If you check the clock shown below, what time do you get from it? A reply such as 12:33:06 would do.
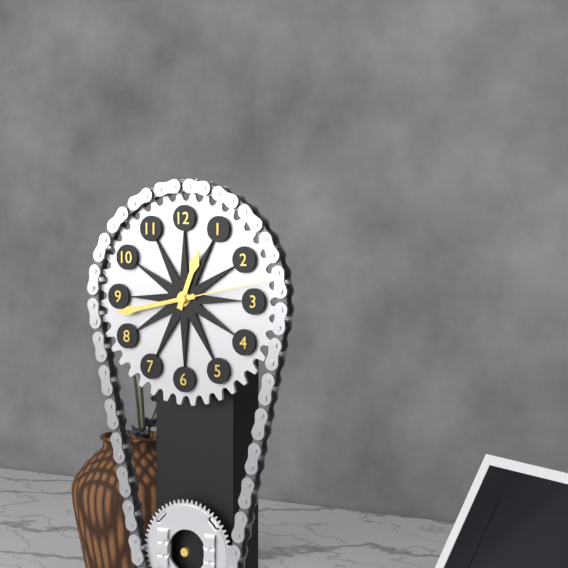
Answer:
12:43:13
